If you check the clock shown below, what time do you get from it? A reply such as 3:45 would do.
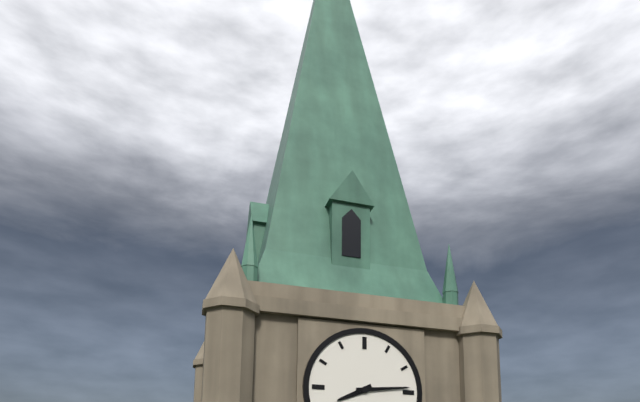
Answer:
8:14
